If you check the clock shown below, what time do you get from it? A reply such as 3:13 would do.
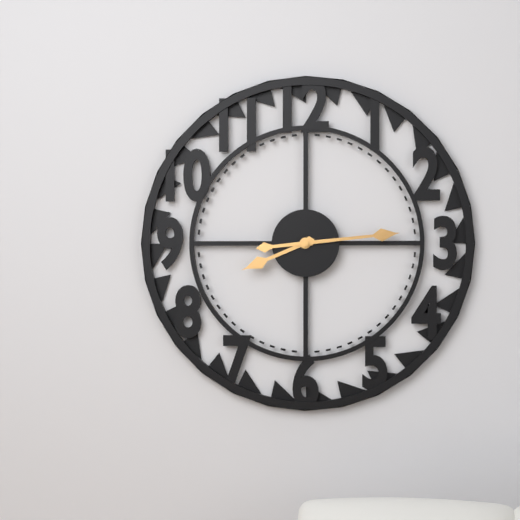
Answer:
8:14
